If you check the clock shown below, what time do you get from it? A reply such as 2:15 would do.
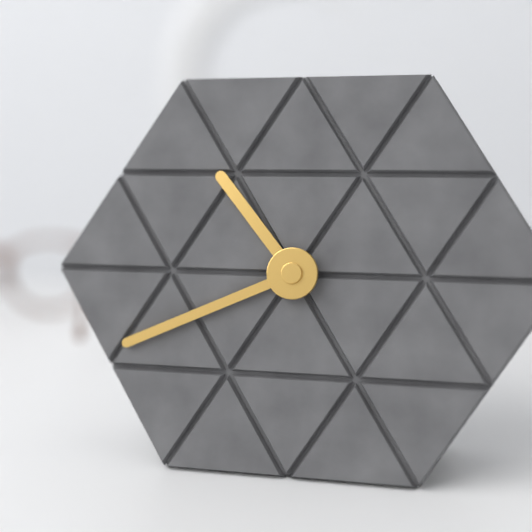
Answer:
10:41
